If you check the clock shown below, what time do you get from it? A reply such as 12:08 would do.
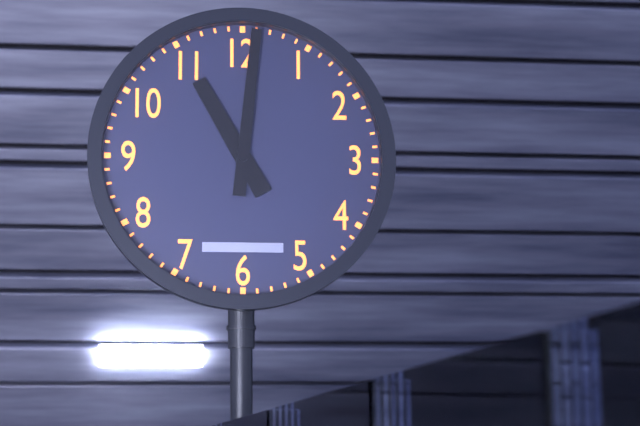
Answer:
11:01
